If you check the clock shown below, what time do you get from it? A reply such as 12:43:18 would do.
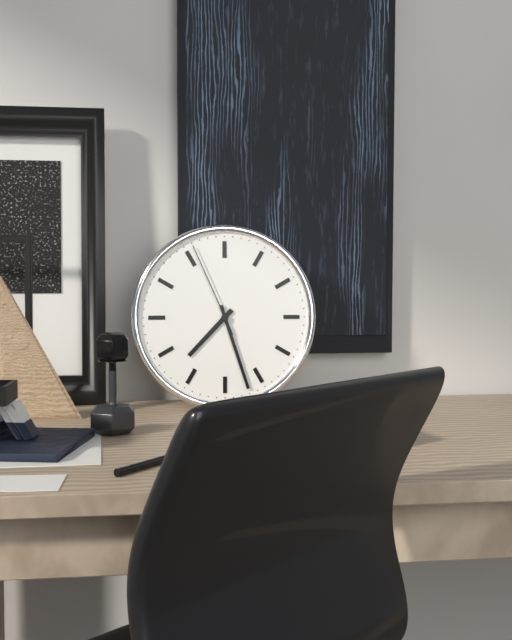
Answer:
7:27:56
